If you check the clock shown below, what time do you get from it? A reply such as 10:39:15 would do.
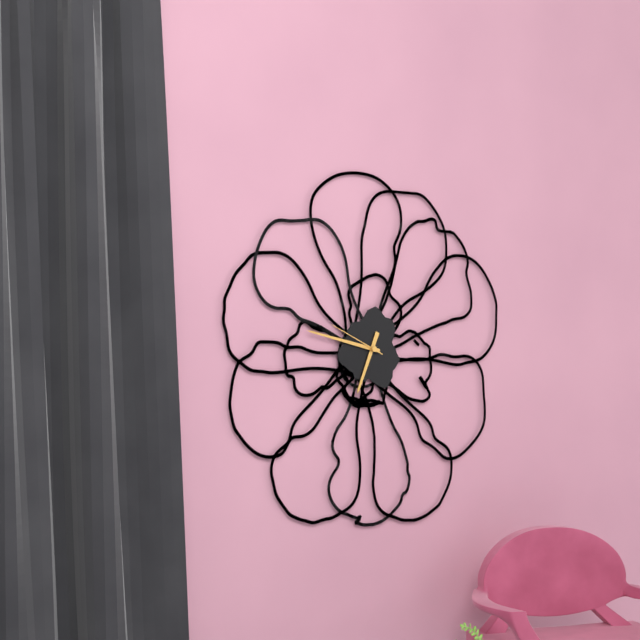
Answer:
6:47:49
